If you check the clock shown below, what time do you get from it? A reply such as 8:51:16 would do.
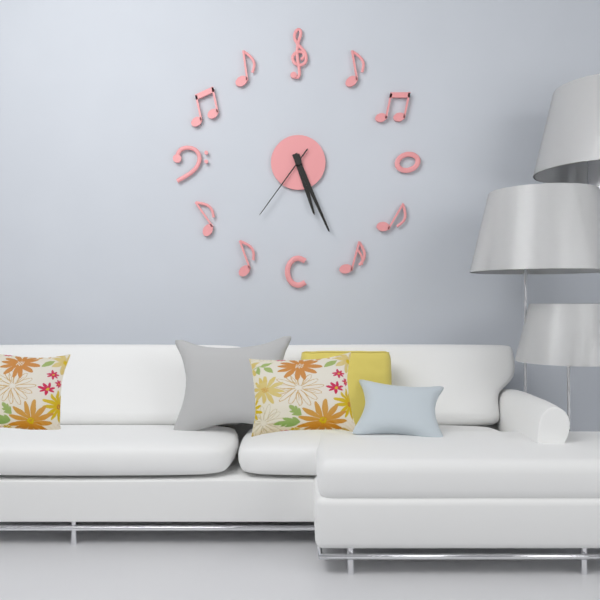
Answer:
5:26:36
